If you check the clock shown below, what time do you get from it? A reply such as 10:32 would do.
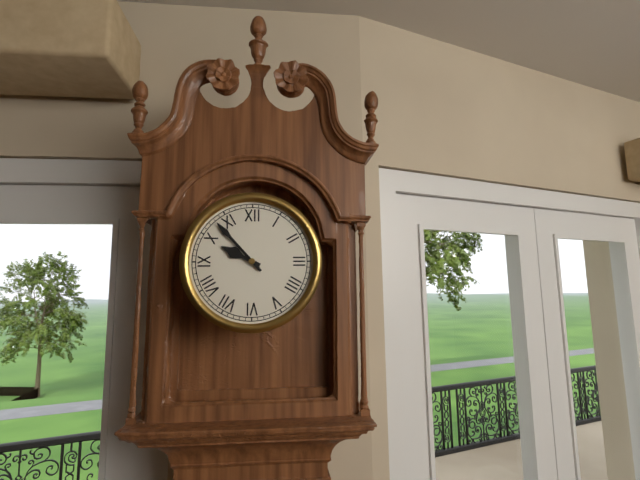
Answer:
9:53
